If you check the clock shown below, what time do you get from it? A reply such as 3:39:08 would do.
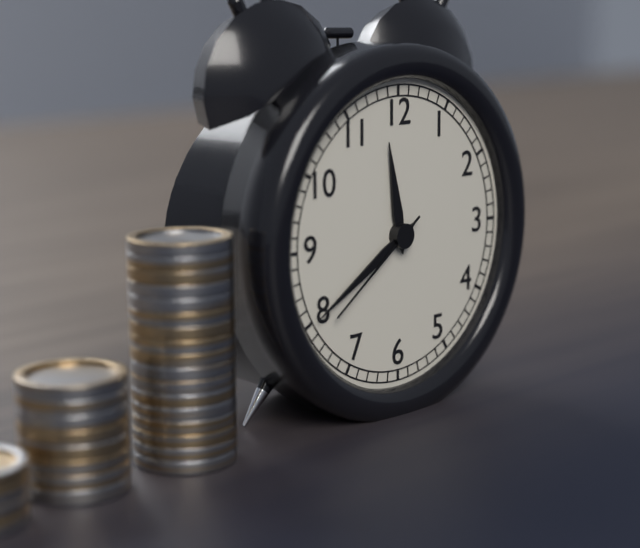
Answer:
11:40:39
